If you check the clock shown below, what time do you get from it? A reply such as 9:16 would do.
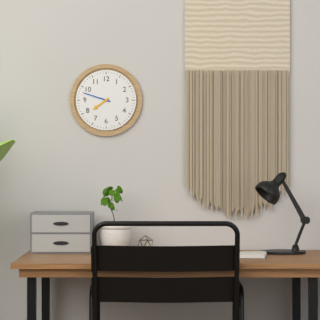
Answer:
7:48
